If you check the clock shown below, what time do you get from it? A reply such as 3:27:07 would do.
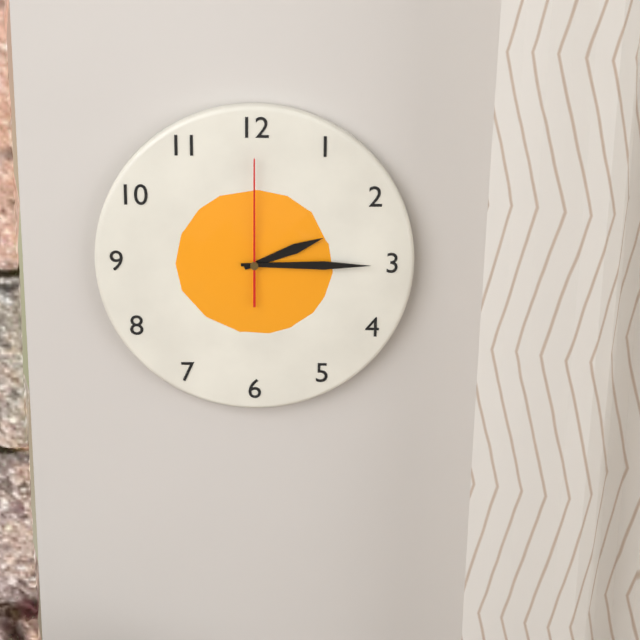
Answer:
2:15:00
